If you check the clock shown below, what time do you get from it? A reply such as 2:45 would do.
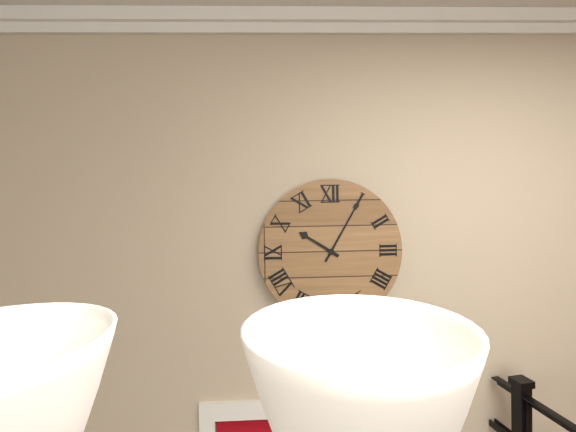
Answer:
10:05
